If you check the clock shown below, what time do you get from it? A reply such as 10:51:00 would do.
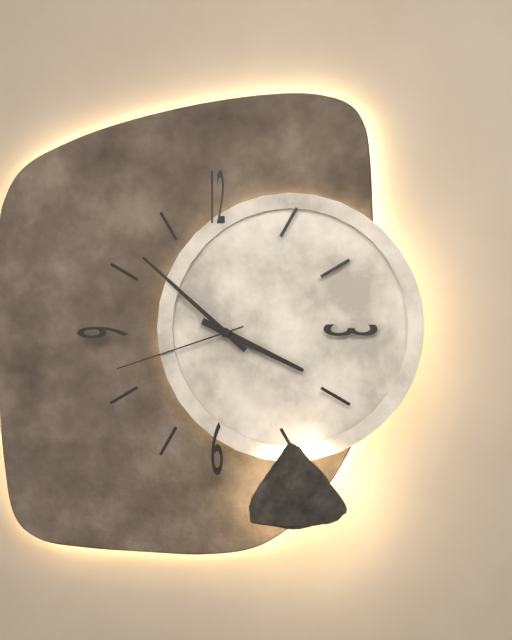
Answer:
3:52:42
